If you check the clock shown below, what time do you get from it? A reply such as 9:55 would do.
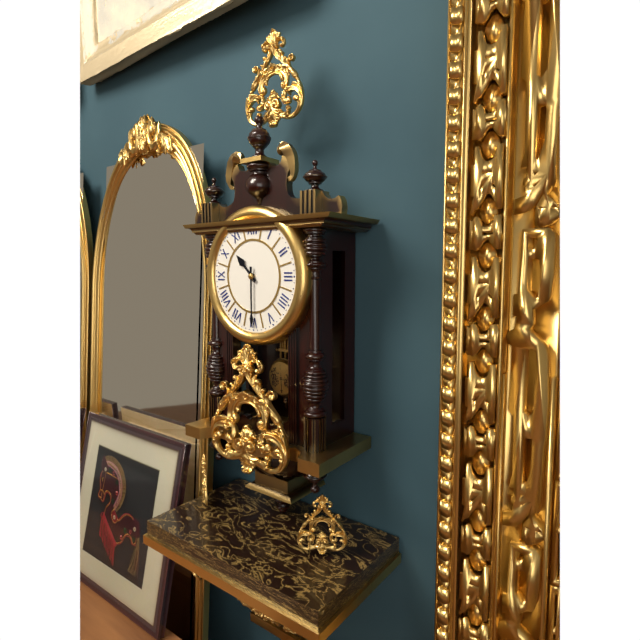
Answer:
10:30
